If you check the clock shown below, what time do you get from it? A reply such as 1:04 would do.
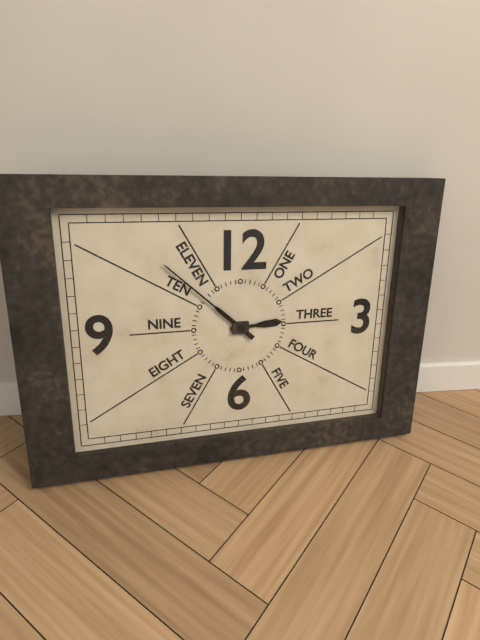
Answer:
2:52
